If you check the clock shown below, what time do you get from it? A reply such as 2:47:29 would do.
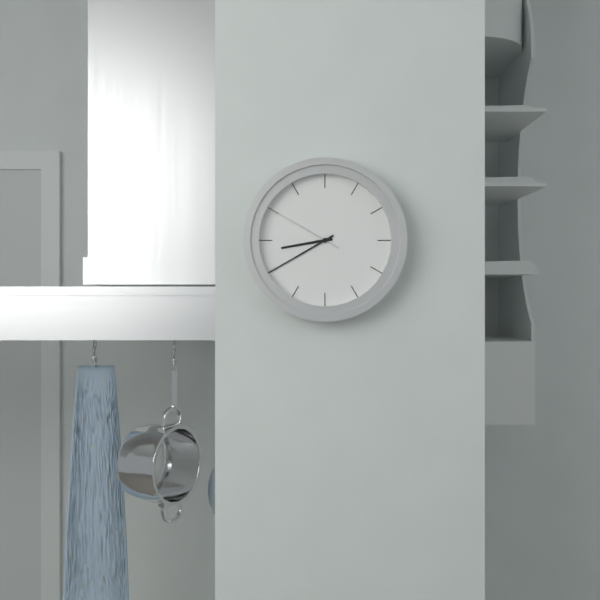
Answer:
8:40:50
